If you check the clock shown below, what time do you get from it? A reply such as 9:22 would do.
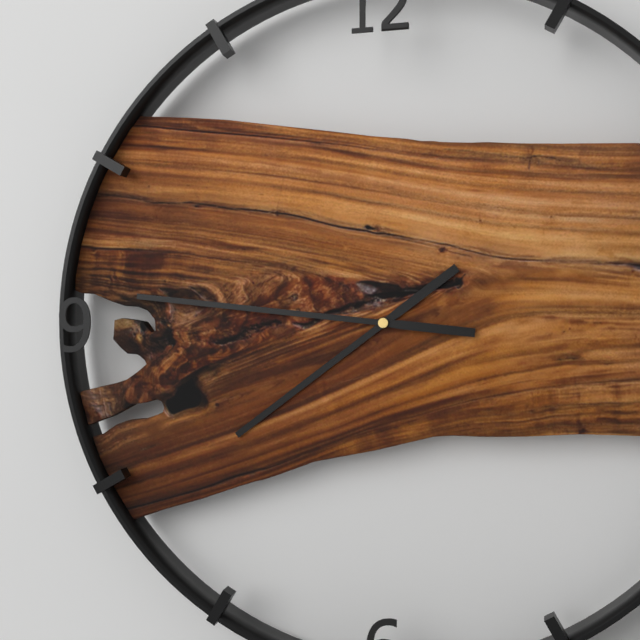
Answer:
7:46
